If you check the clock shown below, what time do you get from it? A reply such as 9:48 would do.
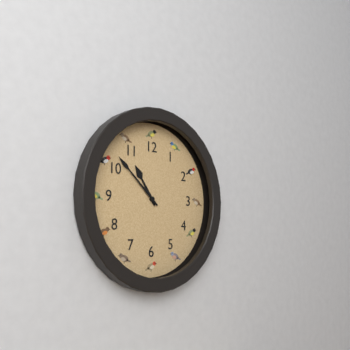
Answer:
10:52
